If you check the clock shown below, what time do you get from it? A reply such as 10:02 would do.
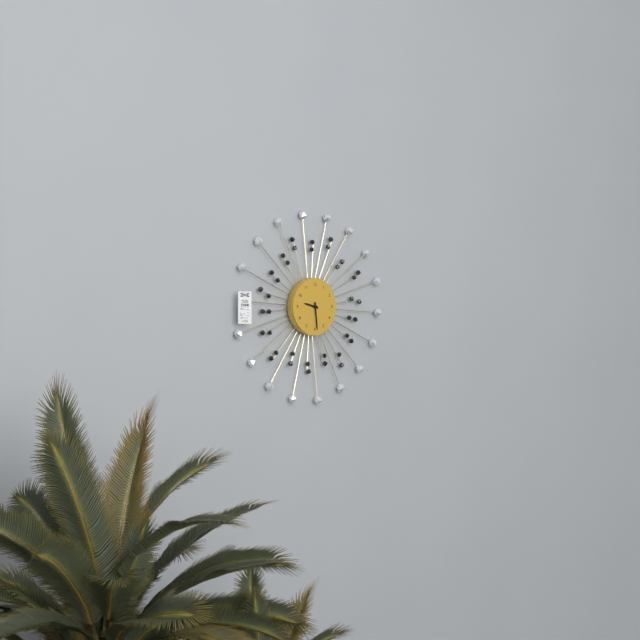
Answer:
9:29
